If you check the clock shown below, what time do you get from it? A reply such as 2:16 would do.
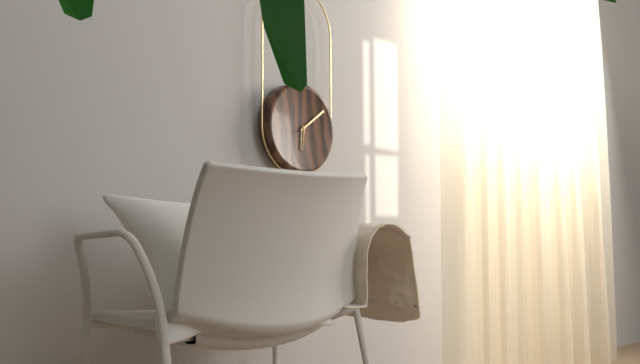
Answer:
6:09
